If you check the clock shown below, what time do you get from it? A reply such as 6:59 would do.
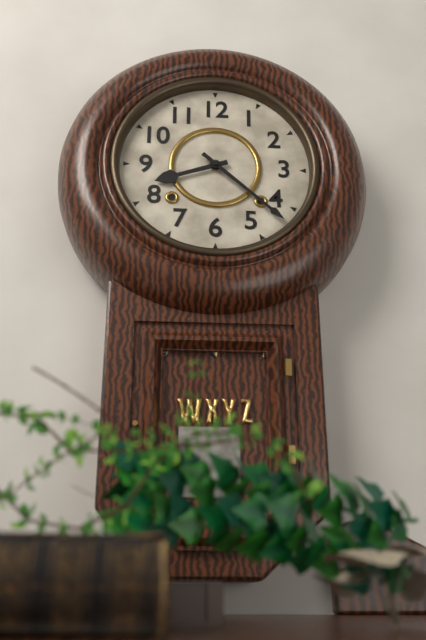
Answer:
8:22
